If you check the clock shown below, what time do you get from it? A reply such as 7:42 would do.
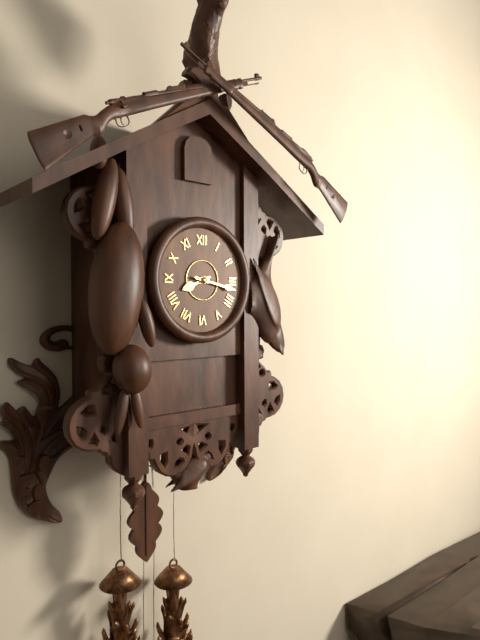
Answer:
8:17
